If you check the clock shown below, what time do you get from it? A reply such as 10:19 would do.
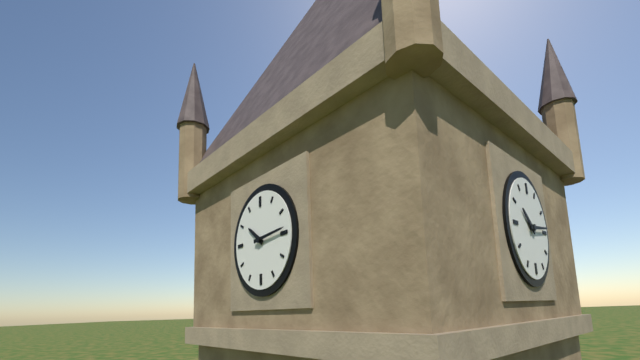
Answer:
10:14
